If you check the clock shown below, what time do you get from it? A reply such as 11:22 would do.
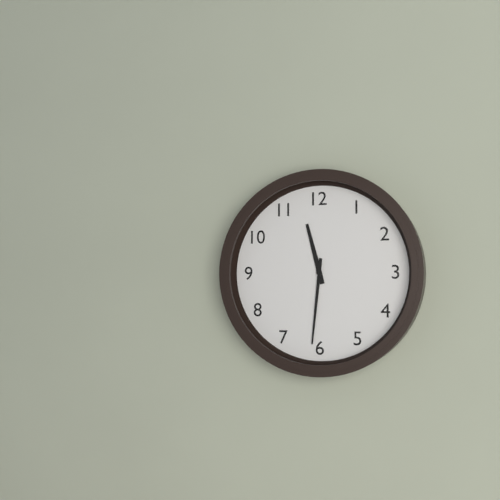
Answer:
11:31
